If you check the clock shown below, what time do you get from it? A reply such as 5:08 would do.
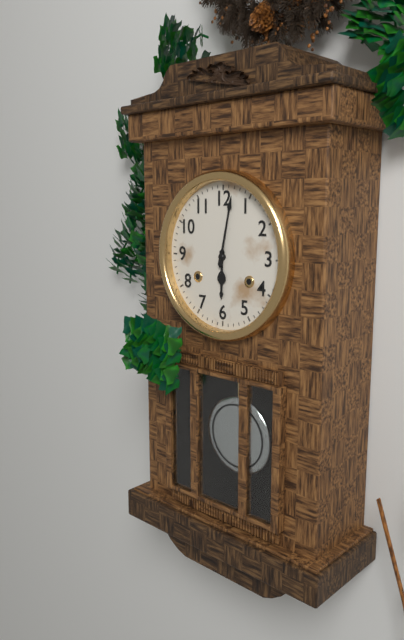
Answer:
6:02
